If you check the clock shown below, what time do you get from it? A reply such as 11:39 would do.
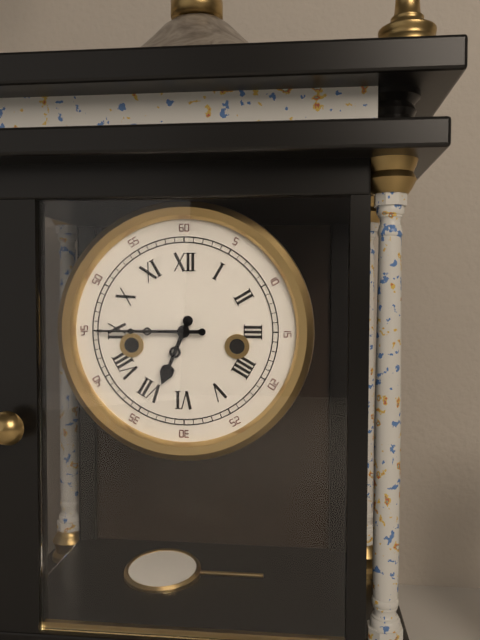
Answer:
6:45
